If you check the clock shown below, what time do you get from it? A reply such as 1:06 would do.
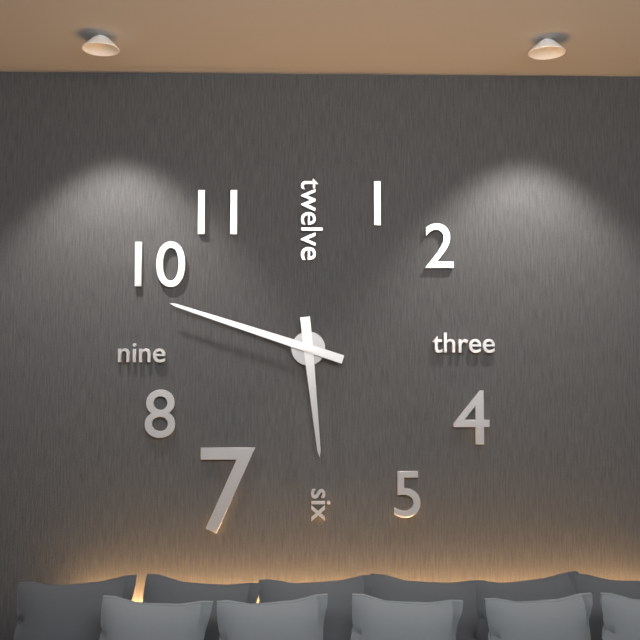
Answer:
5:48
